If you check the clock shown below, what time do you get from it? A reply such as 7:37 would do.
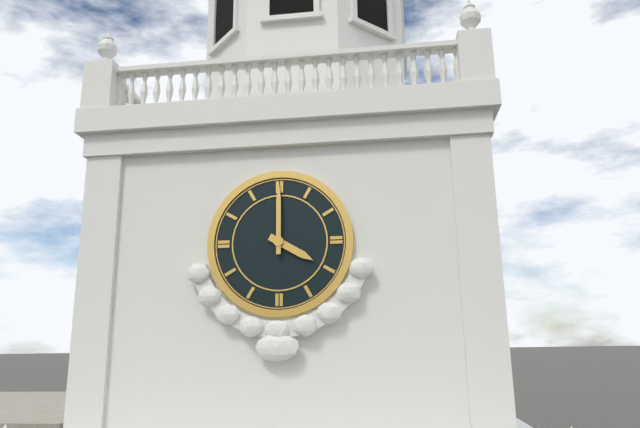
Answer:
4:00
